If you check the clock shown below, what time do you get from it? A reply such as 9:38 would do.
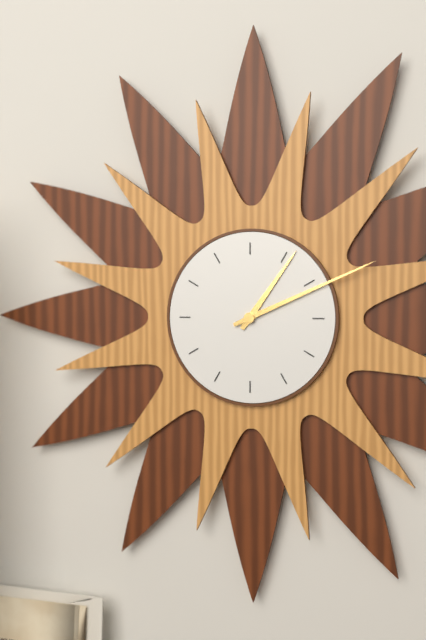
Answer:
1:11
